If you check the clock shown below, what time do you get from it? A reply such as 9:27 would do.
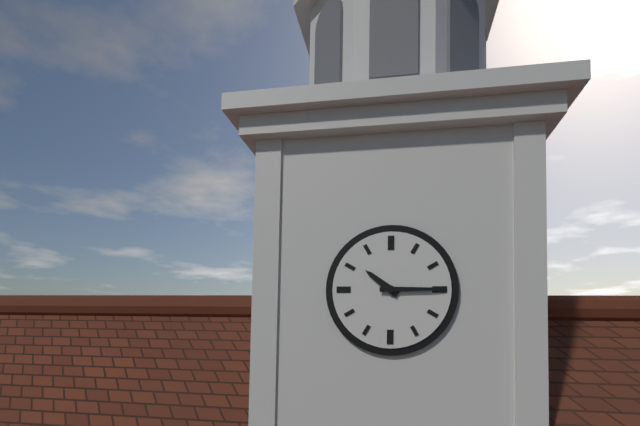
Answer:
10:15
